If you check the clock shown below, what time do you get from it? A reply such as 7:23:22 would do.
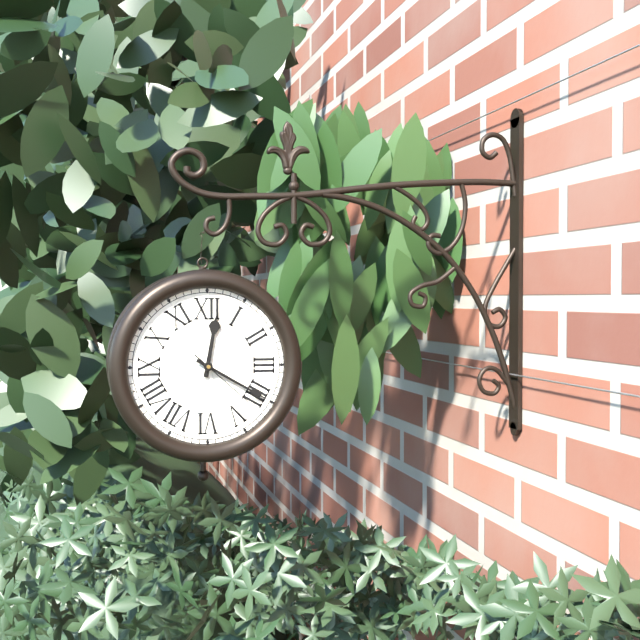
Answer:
12:20:22
